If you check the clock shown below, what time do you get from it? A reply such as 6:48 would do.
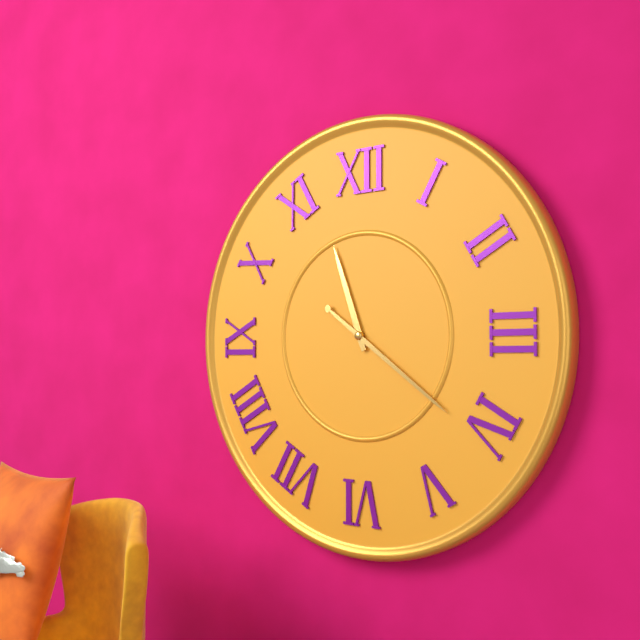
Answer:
11:21
